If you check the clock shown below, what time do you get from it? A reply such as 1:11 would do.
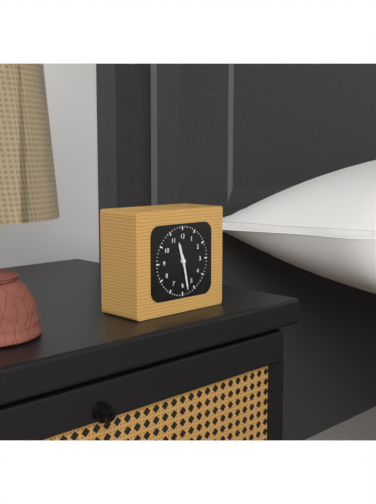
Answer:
11:28
